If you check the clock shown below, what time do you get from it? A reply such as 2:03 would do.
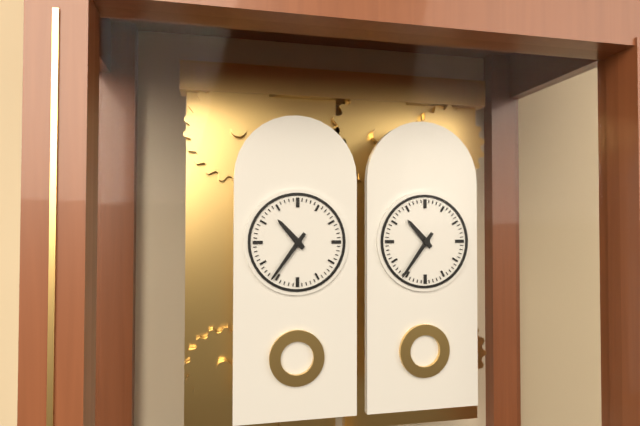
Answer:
10:36
